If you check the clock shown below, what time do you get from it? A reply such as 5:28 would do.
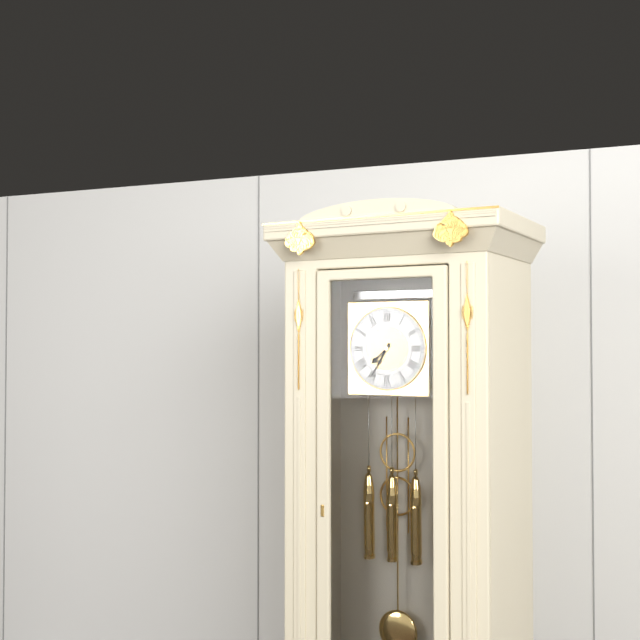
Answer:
7:35
